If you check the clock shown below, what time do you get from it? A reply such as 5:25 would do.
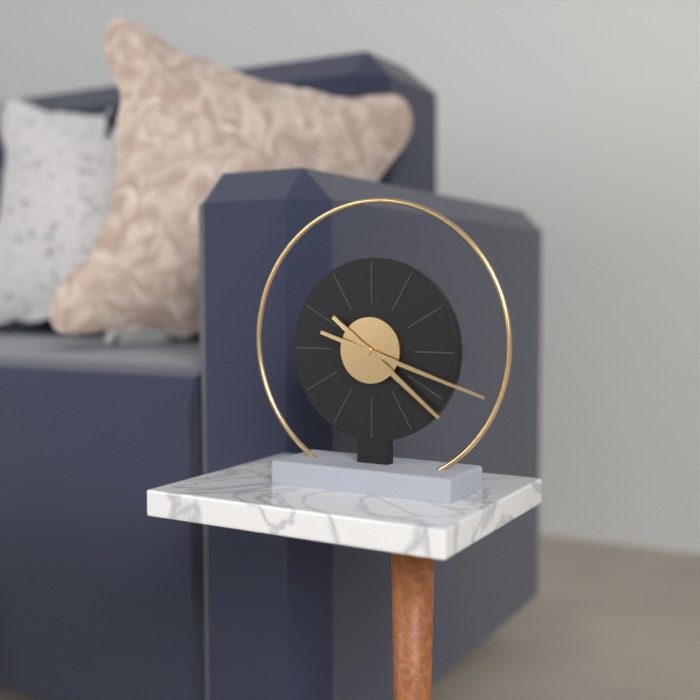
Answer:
4:18
